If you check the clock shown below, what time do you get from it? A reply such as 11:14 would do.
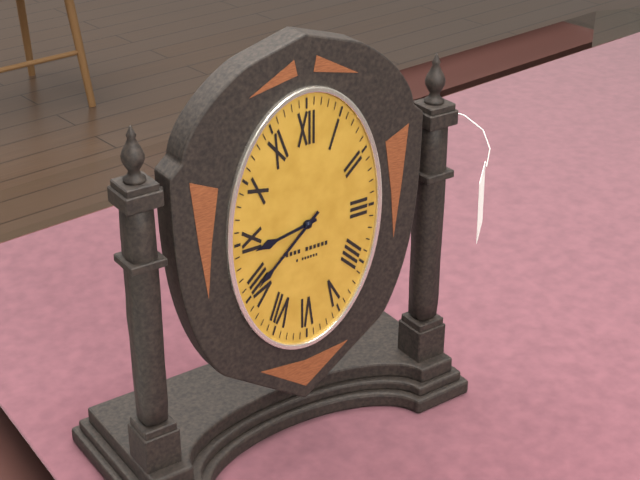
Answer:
8:38
